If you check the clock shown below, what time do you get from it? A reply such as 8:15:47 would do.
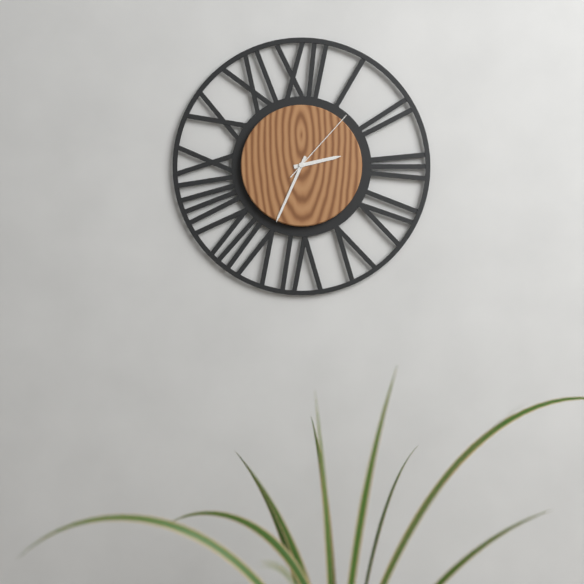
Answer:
2:34:07
